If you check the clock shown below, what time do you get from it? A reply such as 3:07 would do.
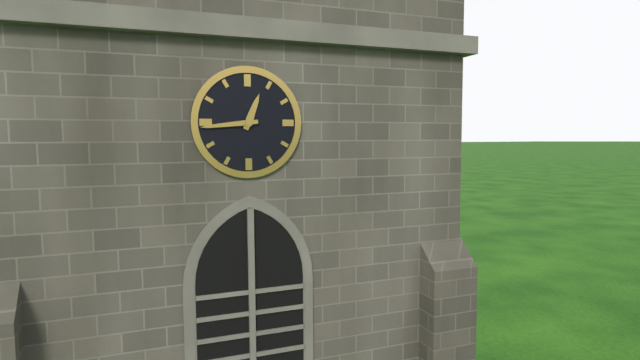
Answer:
12:44
